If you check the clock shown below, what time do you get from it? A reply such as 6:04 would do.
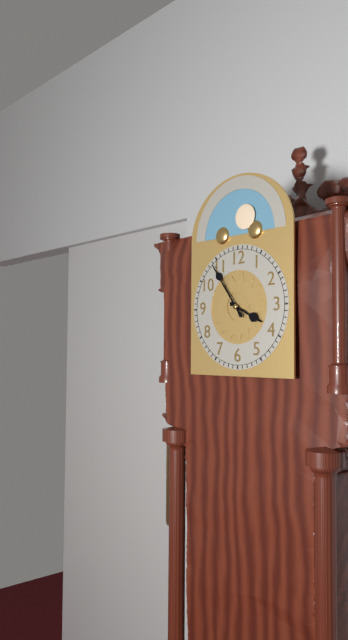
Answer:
3:54
